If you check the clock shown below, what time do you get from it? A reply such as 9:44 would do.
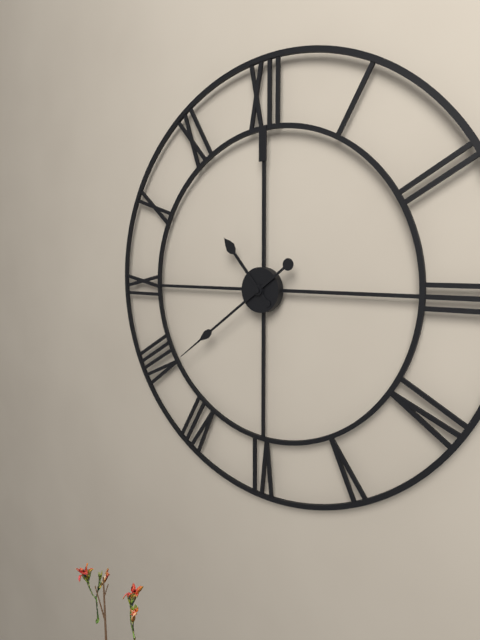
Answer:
10:39
